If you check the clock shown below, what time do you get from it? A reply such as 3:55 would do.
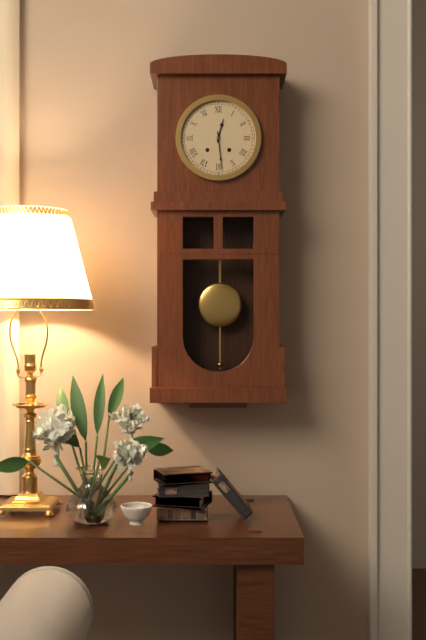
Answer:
12:29
